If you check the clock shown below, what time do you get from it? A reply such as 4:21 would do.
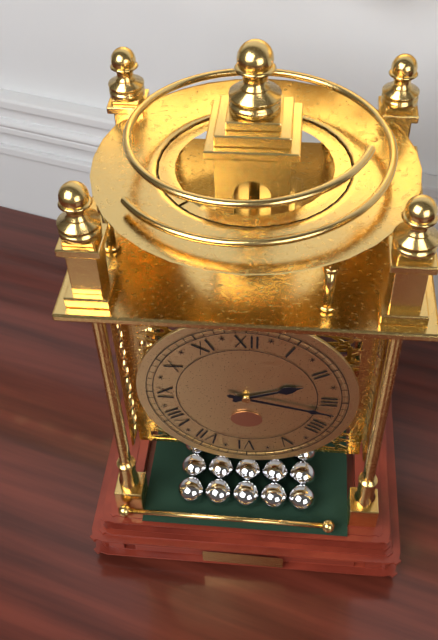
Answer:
2:17
